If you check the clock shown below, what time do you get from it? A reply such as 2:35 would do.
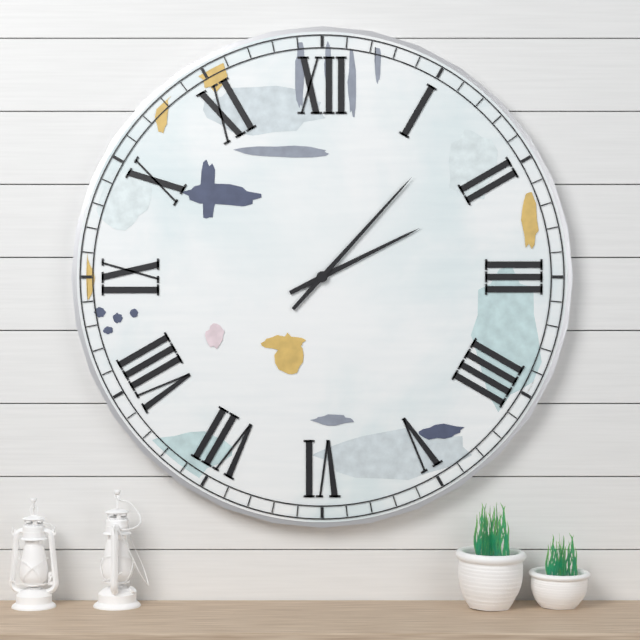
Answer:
2:07
